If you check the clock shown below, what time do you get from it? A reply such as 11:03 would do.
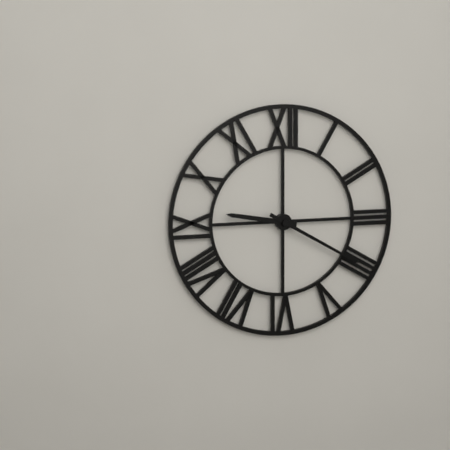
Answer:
9:20
